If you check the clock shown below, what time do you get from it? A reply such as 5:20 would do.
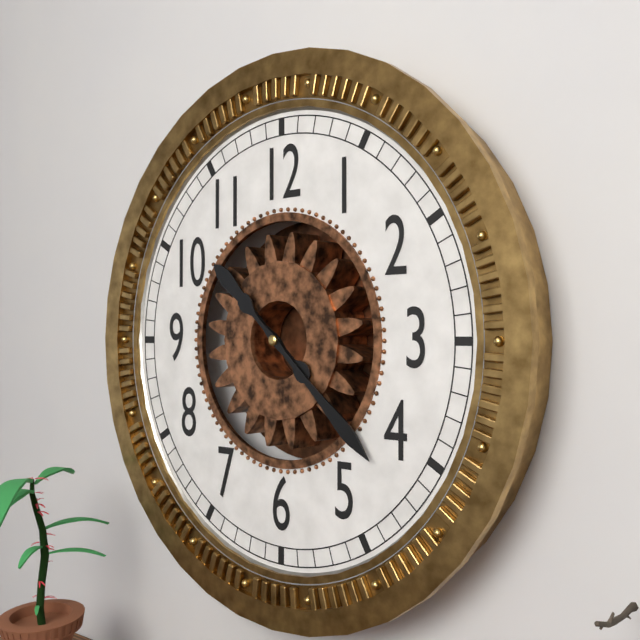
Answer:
10:22
